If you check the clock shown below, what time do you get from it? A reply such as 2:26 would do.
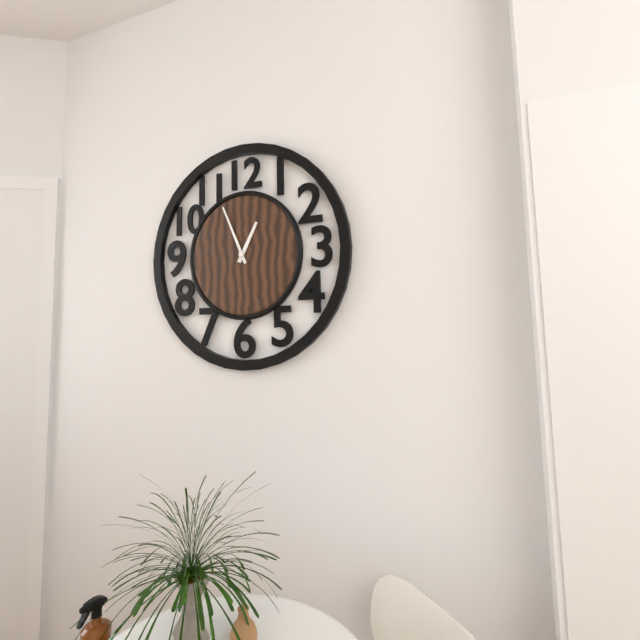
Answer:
12:56
